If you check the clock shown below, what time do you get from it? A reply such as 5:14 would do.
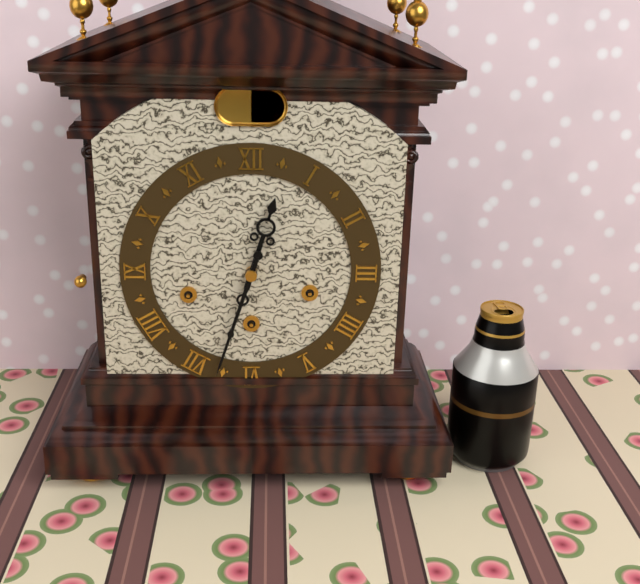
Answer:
12:33
